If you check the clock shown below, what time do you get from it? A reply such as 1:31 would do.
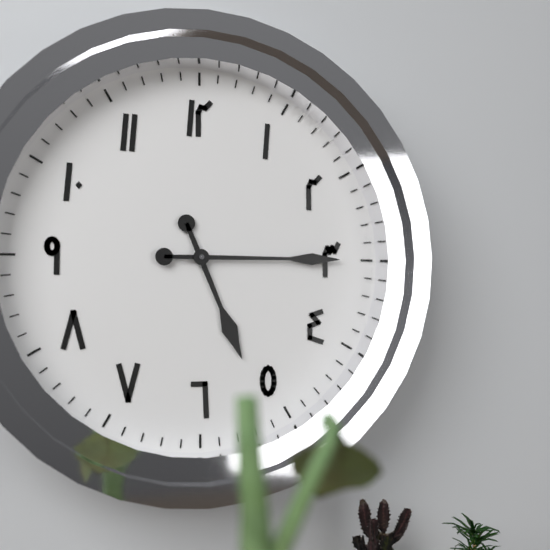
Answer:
5:15
